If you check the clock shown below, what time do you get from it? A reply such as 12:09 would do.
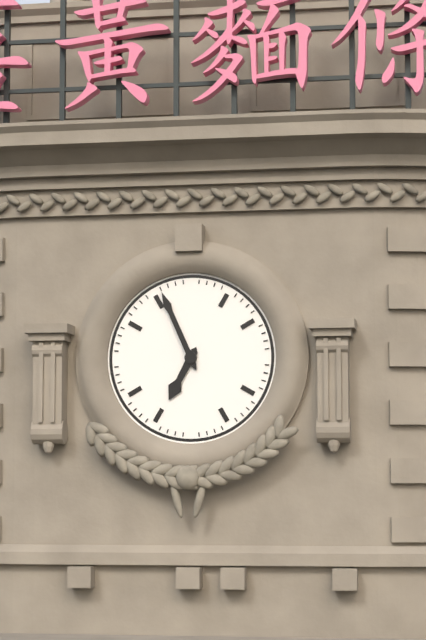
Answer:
6:56
